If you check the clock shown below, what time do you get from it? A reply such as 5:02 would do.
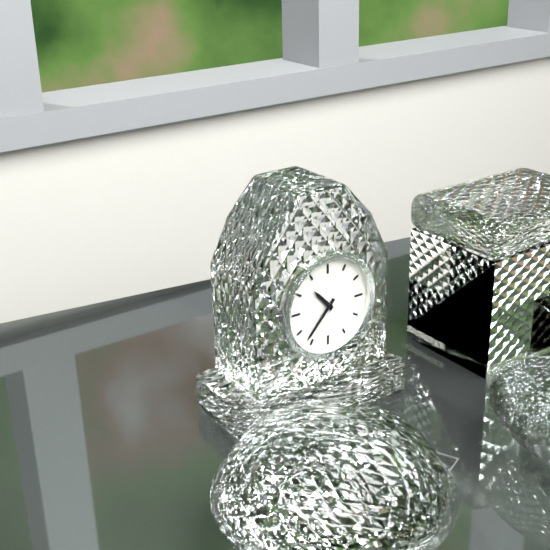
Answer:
10:37
